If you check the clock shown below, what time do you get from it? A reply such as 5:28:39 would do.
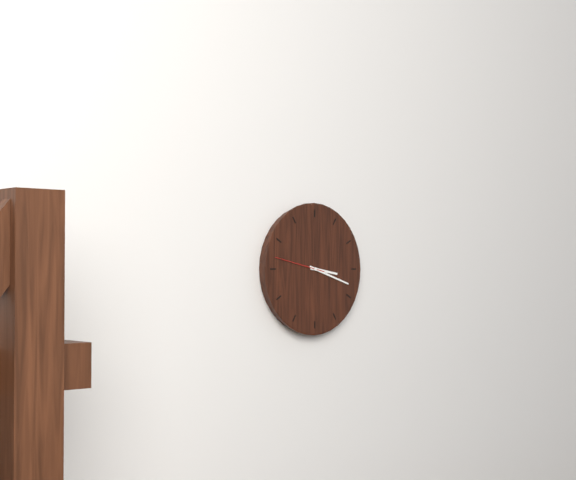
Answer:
3:18:47
